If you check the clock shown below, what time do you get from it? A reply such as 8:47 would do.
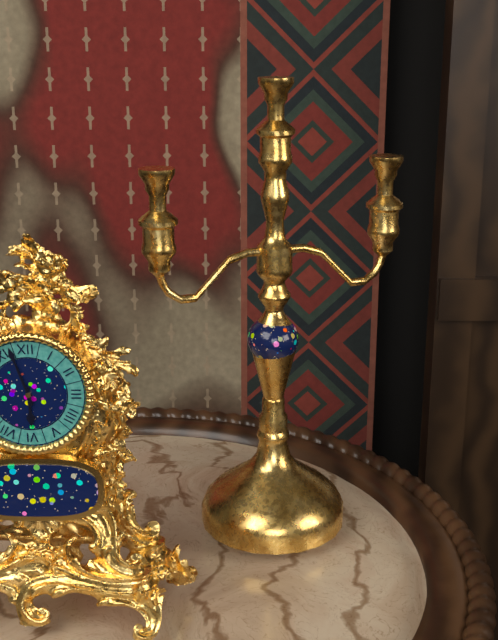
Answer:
5:57
